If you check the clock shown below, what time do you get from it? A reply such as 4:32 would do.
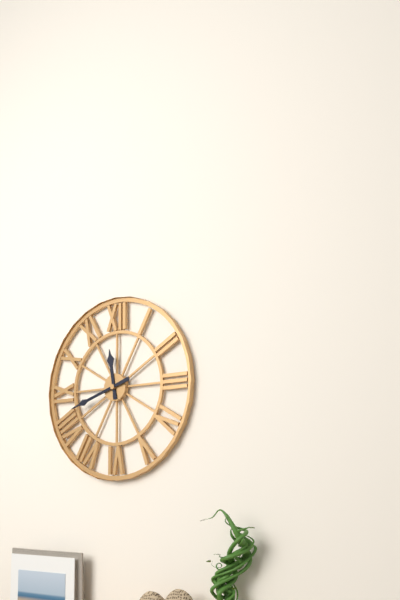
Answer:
11:42
